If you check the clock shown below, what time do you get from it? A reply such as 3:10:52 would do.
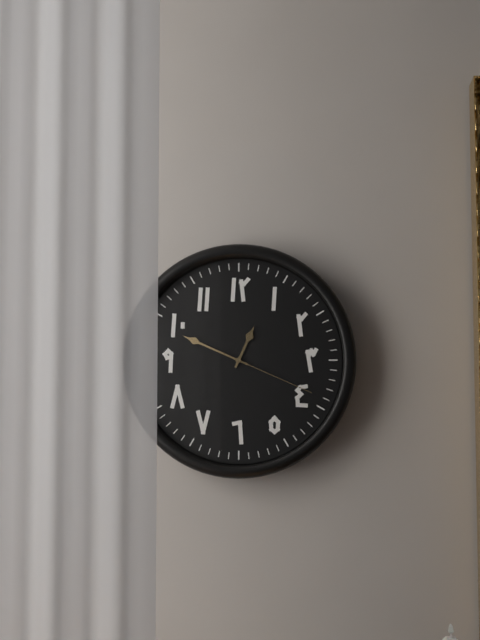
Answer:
12:49:19
